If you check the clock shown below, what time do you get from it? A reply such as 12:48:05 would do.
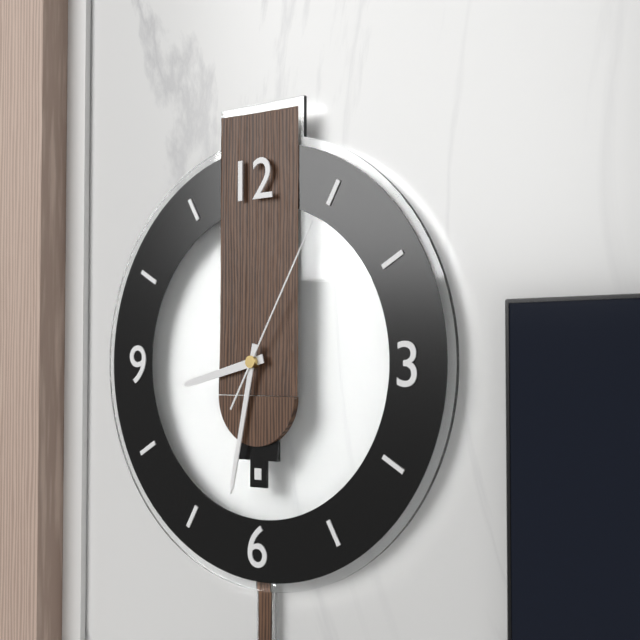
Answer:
8:32:05
